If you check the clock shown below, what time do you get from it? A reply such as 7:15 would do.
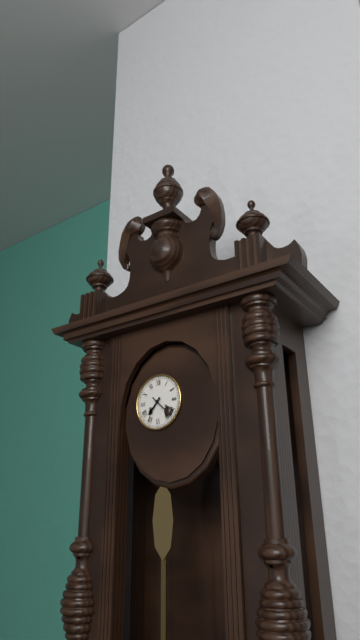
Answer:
7:22
